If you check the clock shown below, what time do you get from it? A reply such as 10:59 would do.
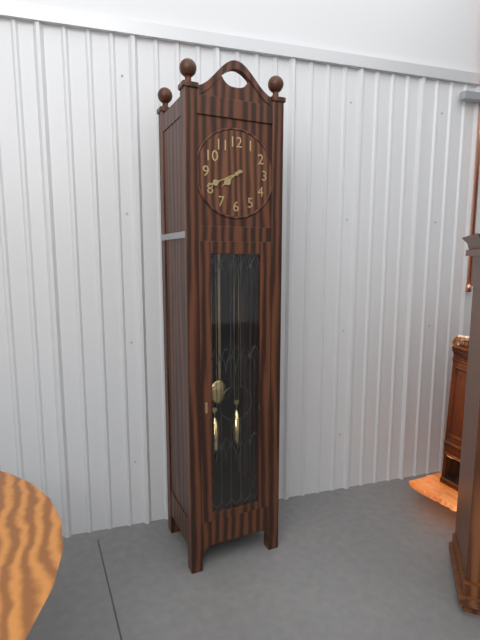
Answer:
7:41
